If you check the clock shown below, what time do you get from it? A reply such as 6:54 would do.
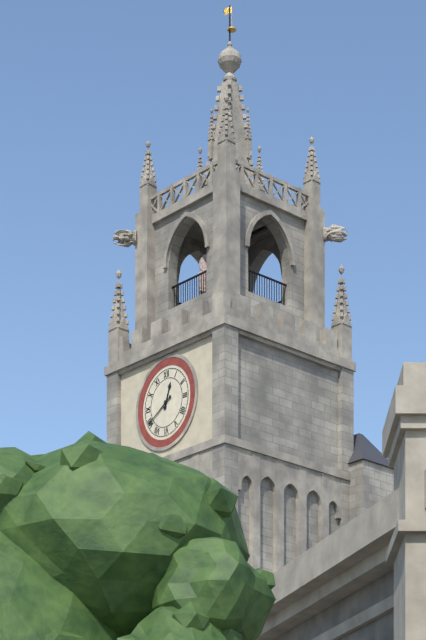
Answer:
12:40
